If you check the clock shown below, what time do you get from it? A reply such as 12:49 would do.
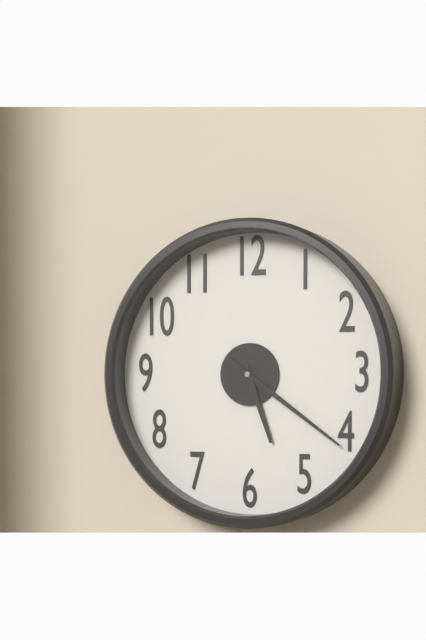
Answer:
5:21
